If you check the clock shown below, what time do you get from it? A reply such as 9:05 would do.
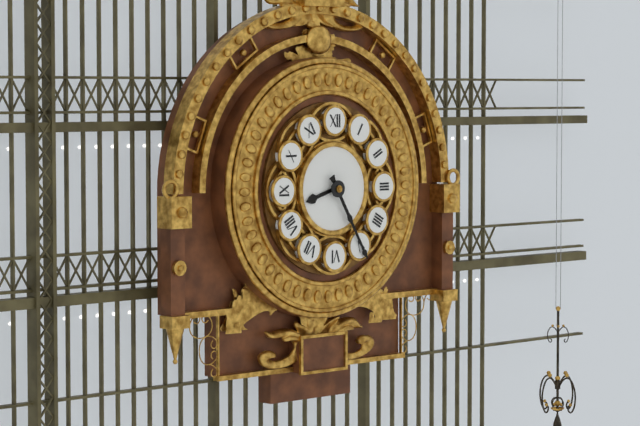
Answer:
8:25
